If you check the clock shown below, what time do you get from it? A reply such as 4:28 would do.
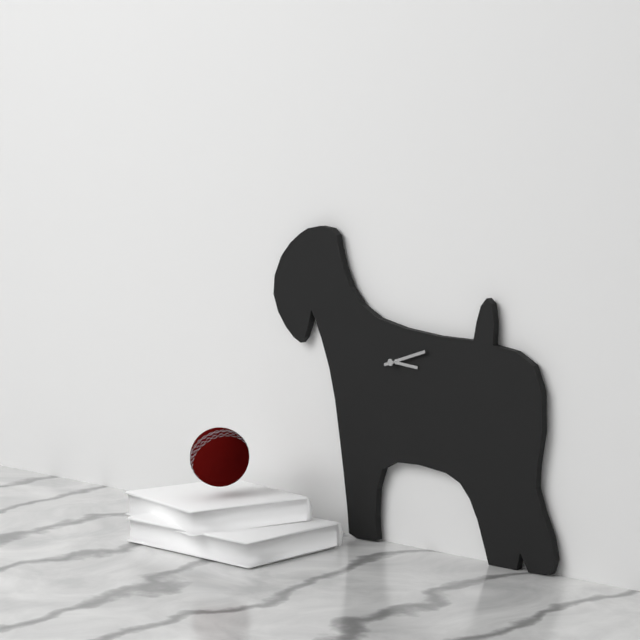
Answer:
3:12
